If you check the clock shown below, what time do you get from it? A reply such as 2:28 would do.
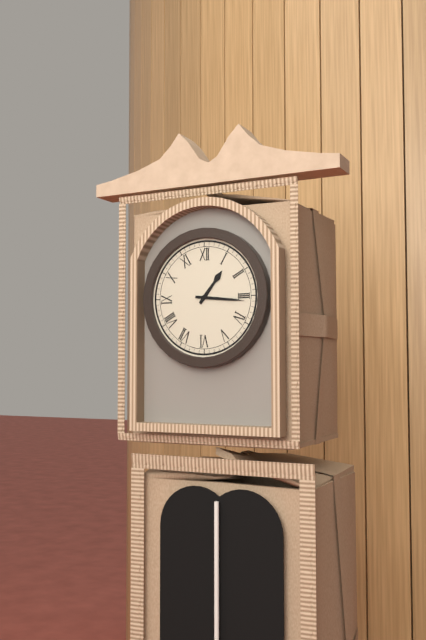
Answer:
1:16
